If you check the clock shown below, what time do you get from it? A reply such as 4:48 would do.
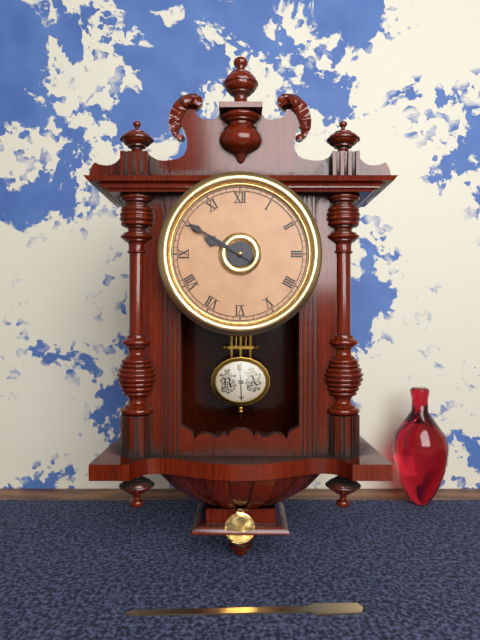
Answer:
9:50
